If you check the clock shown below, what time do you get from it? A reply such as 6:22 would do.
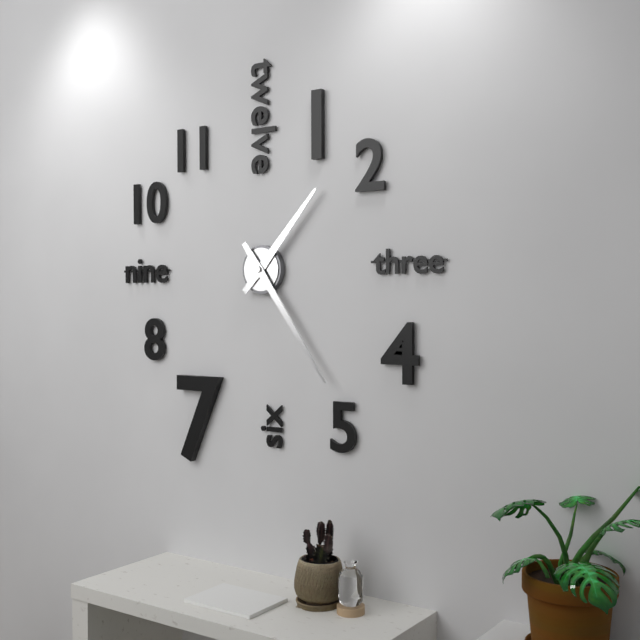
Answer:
1:24
